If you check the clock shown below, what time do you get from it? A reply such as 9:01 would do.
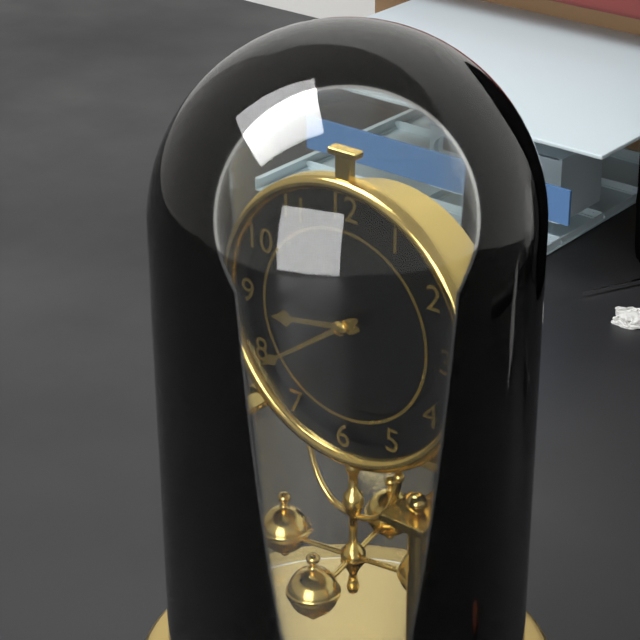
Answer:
8:39
